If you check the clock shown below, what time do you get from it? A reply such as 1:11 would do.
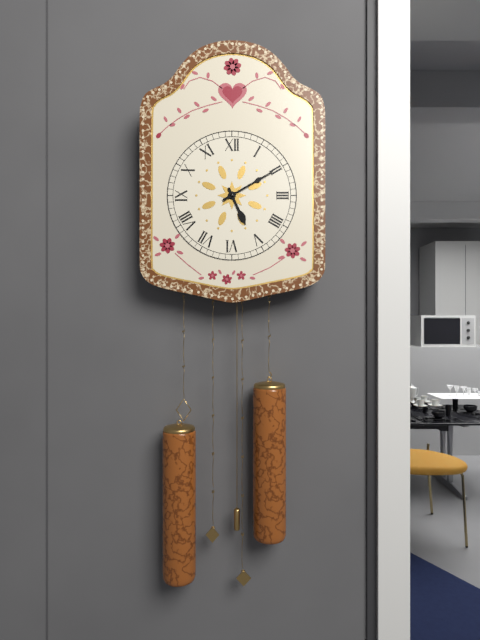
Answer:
5:10
